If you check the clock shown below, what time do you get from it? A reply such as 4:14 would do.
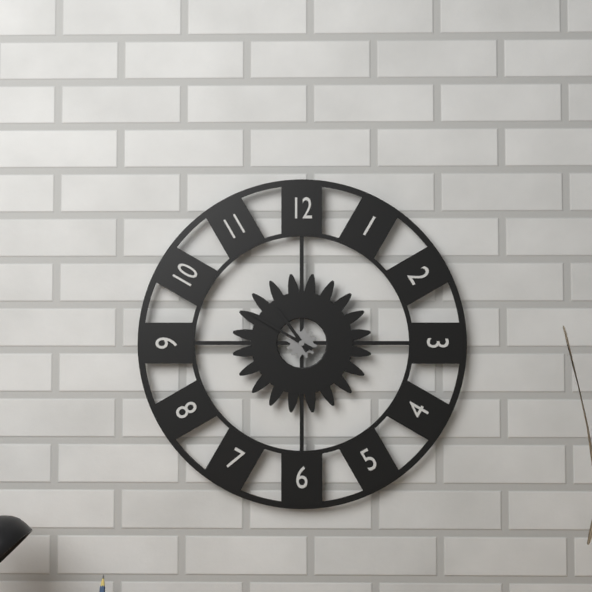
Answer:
10:50
